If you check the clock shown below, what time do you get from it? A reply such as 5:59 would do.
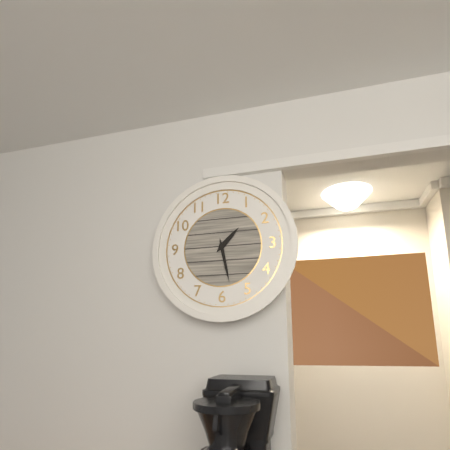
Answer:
1:28
